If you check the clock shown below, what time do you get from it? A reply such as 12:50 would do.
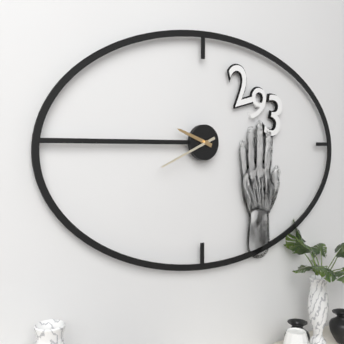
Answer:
9:41
